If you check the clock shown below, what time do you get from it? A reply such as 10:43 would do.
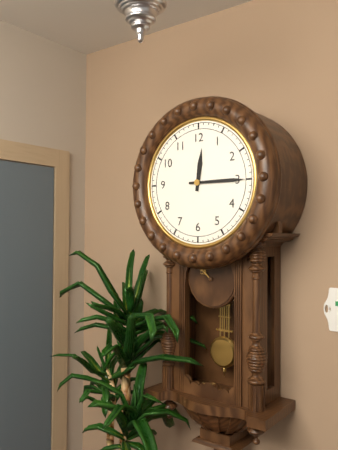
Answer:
12:15
